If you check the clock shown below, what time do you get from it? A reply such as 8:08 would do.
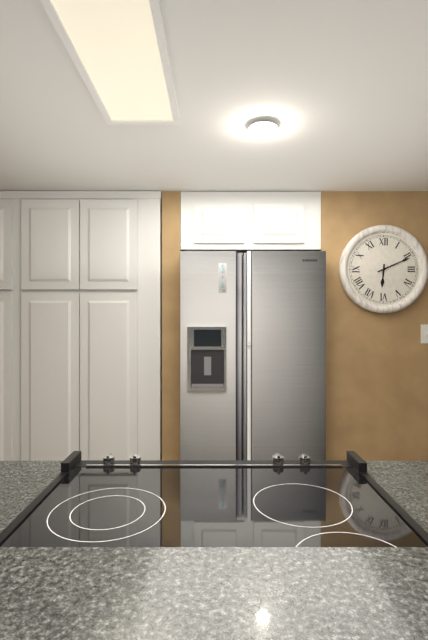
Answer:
6:11
